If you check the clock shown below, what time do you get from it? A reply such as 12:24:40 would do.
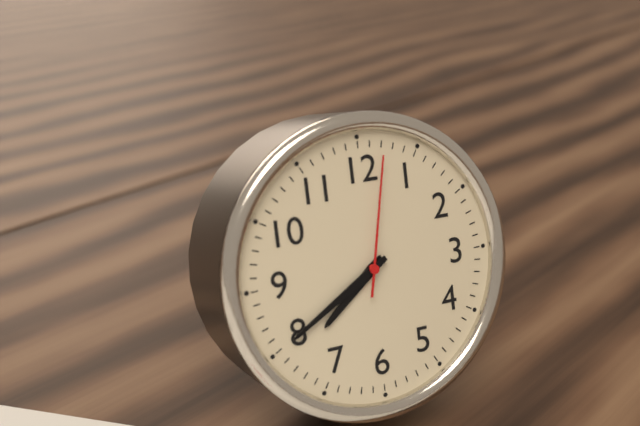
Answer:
7:40:02
